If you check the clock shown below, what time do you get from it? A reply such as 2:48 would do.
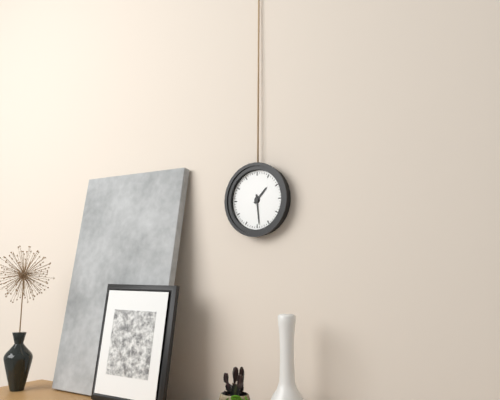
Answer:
1:29
